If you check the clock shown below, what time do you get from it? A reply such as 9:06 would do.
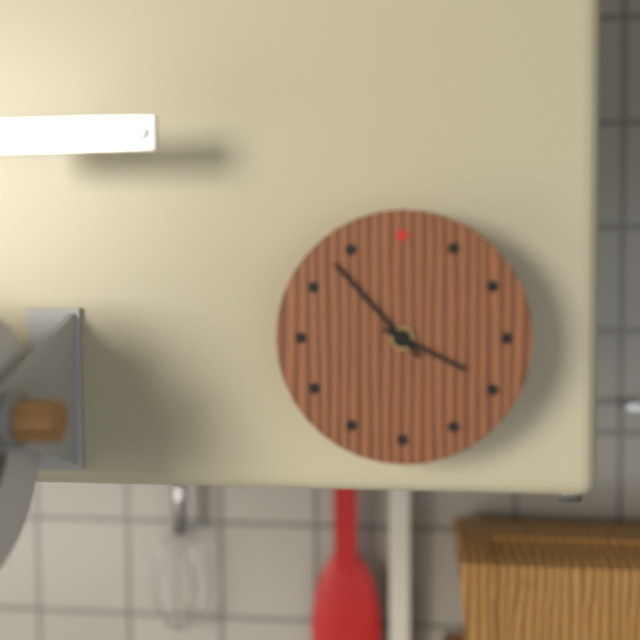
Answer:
3:53
